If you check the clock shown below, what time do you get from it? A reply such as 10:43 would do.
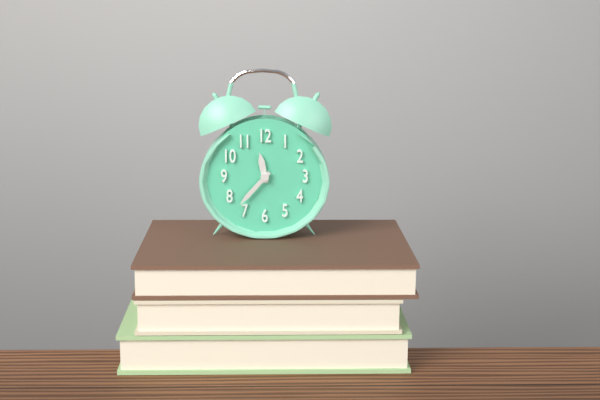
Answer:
11:37
